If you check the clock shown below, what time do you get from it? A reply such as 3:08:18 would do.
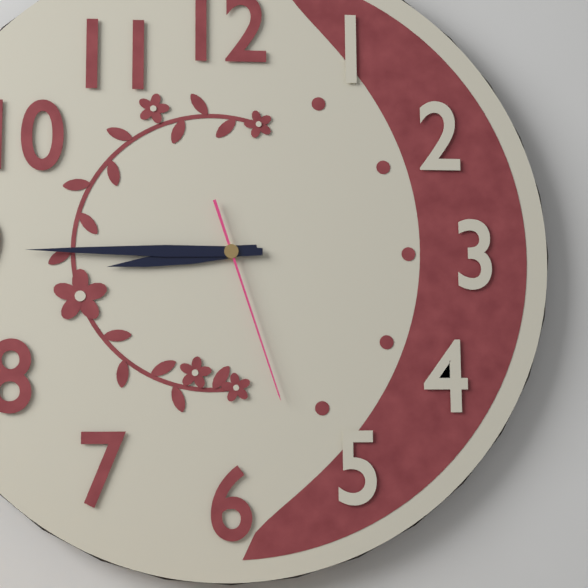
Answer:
8:45:27
